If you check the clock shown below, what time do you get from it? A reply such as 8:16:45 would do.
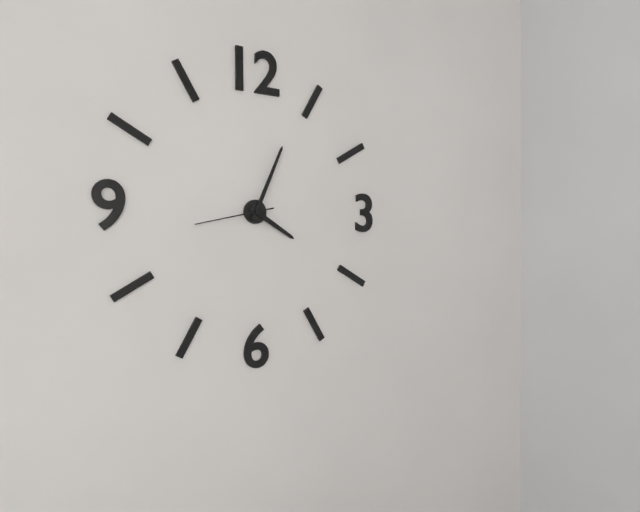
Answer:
4:04:43
